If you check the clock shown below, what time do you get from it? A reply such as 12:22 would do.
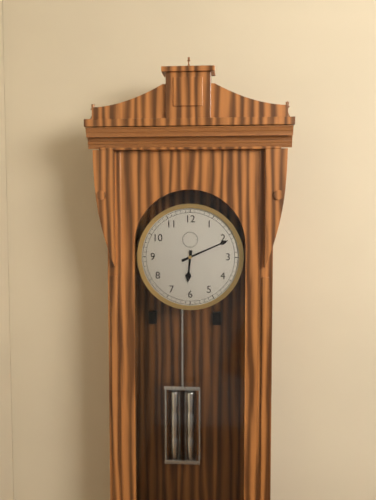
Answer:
6:11
